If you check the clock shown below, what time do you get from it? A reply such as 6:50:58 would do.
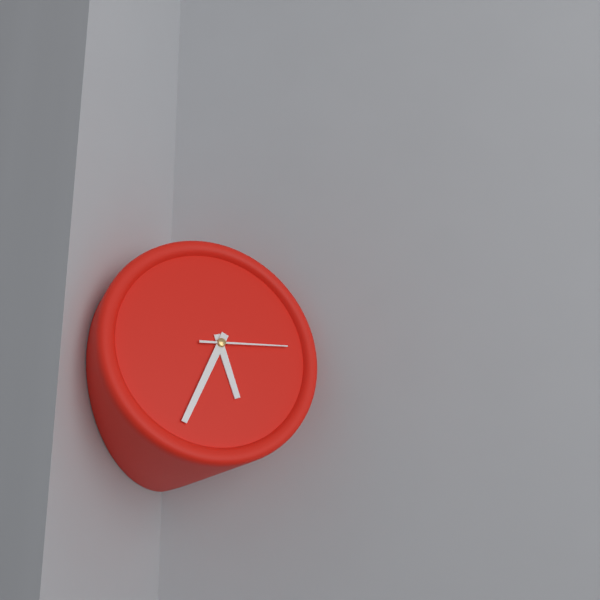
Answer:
5:35:15
